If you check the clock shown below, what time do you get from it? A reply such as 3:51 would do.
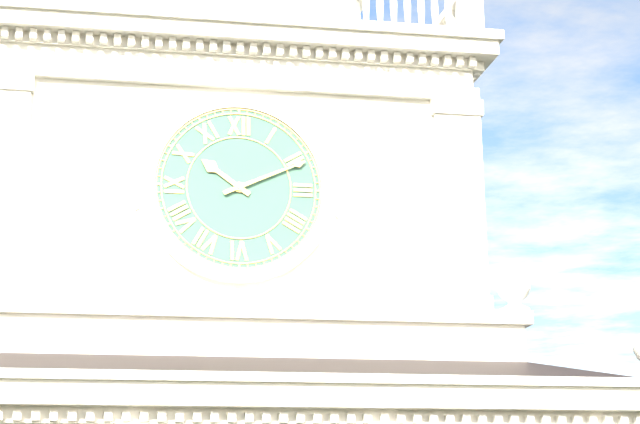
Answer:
10:11
